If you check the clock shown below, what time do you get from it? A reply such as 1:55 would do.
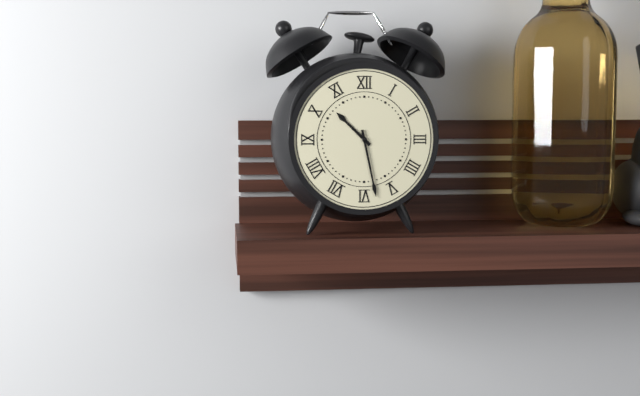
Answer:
10:28
